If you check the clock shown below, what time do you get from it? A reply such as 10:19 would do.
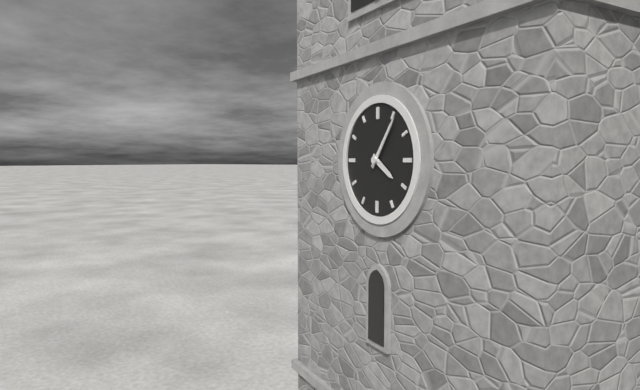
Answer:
4:06
